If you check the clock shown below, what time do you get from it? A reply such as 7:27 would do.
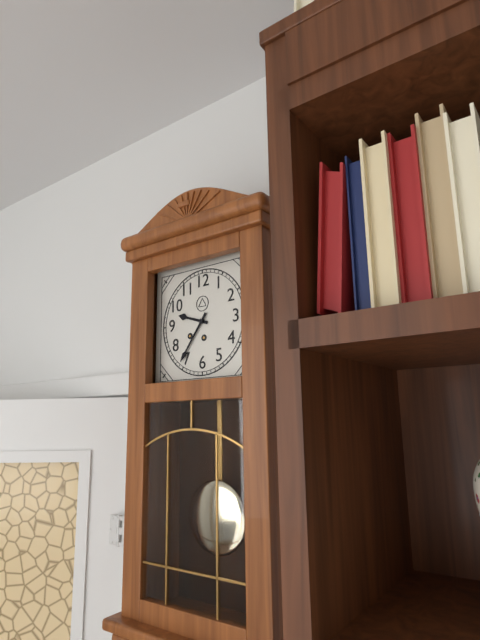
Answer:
9:36
